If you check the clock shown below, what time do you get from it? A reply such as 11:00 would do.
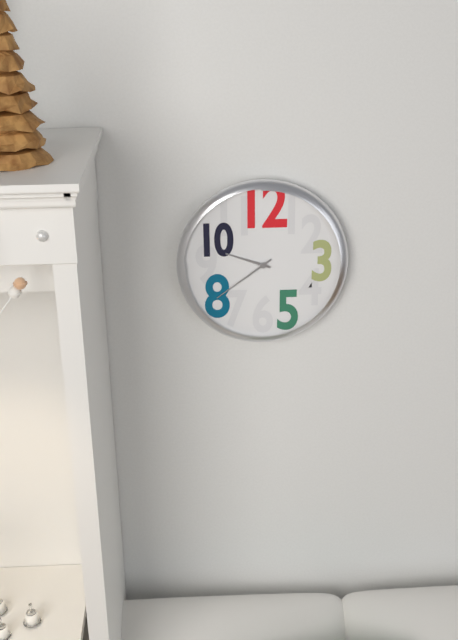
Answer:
9:39
